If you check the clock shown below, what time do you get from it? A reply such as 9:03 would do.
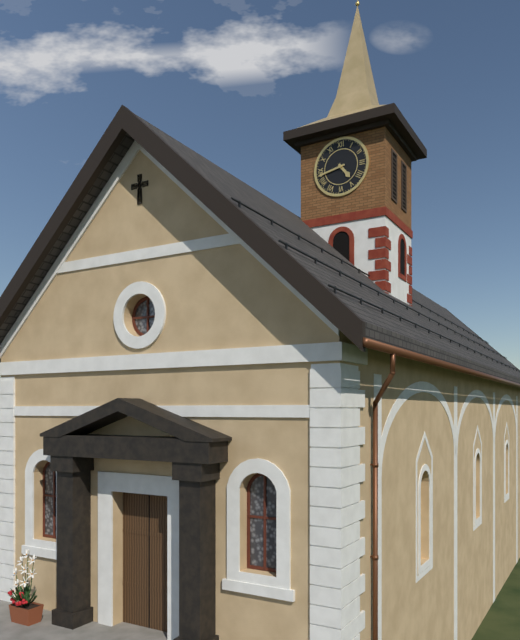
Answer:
4:43
